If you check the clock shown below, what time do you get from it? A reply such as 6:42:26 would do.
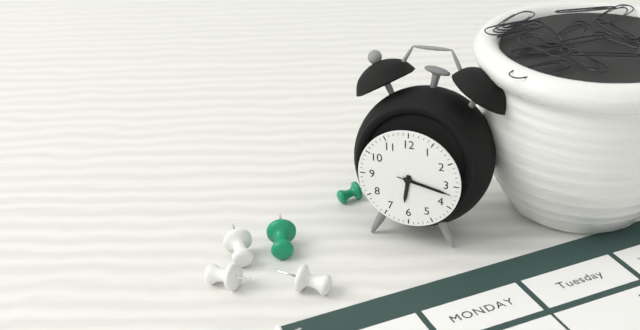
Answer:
6:17:17
